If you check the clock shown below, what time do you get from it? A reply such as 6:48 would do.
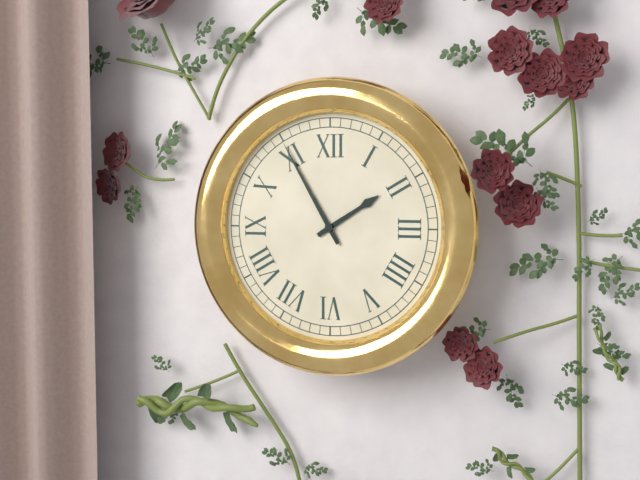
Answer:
1:55
